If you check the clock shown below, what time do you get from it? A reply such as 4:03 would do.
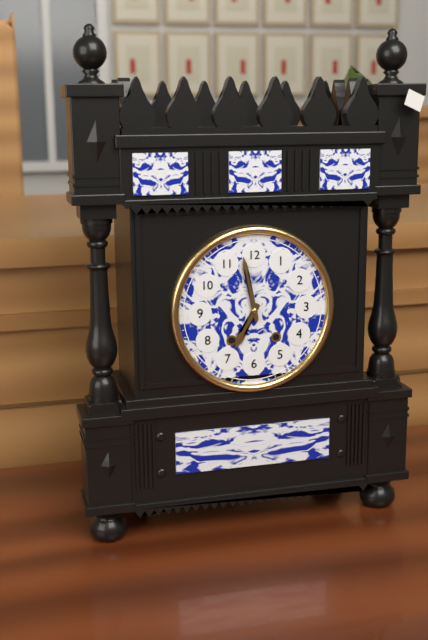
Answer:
6:58
